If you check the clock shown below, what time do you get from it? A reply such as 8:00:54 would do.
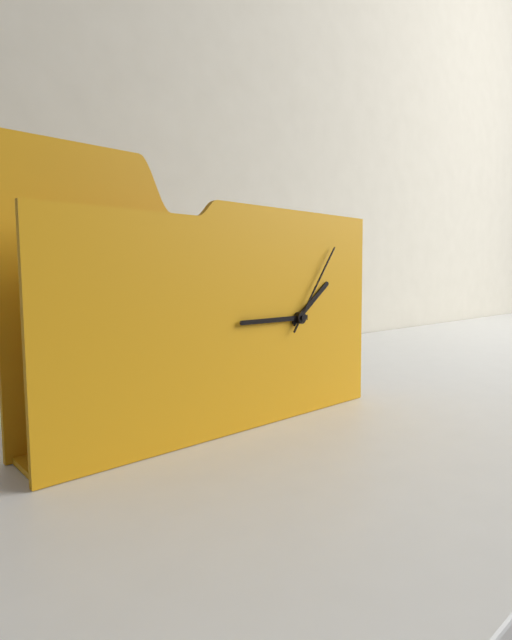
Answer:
1:45:06
